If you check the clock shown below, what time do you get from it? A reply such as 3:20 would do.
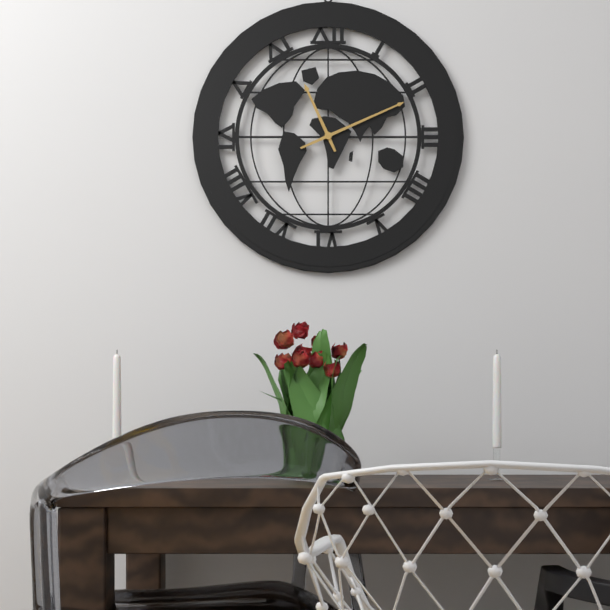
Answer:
11:11
